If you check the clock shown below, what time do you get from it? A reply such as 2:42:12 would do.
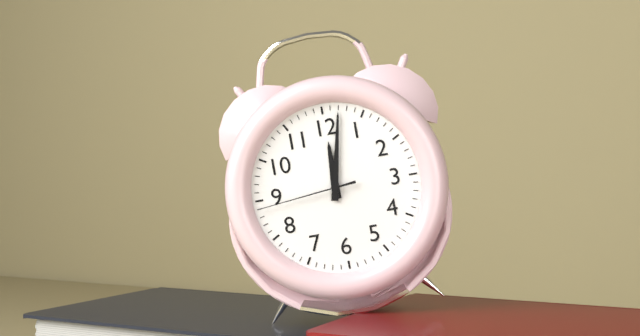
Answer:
12:02:44
